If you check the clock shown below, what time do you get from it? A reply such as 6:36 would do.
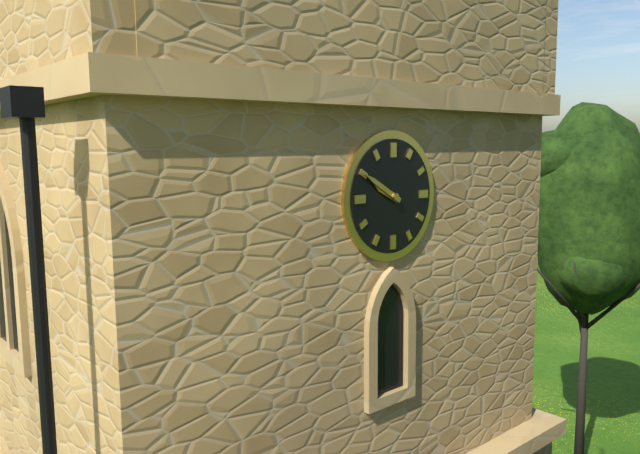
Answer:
9:50
